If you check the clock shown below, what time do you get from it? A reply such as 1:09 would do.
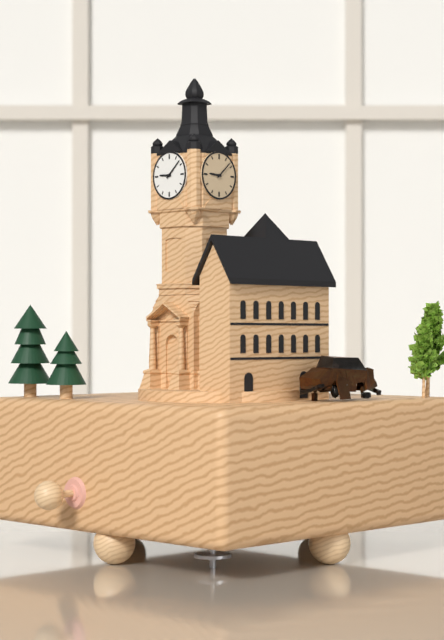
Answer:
9:08
